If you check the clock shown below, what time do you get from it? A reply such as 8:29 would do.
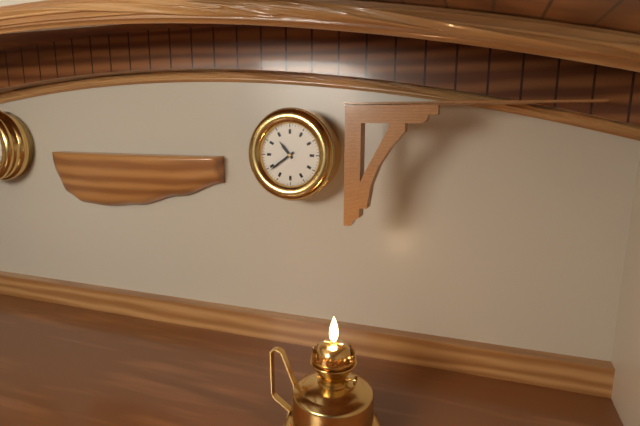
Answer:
10:39
